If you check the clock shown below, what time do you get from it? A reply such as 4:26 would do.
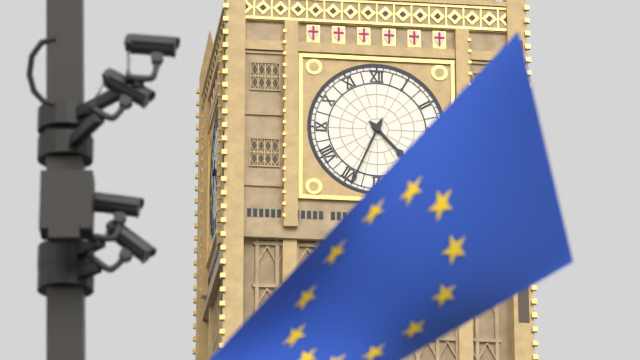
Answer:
4:34
